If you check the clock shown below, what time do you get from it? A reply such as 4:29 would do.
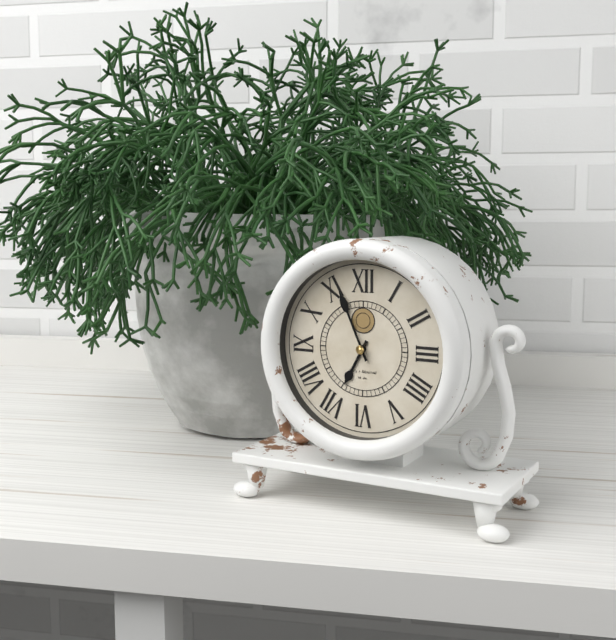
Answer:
6:56
